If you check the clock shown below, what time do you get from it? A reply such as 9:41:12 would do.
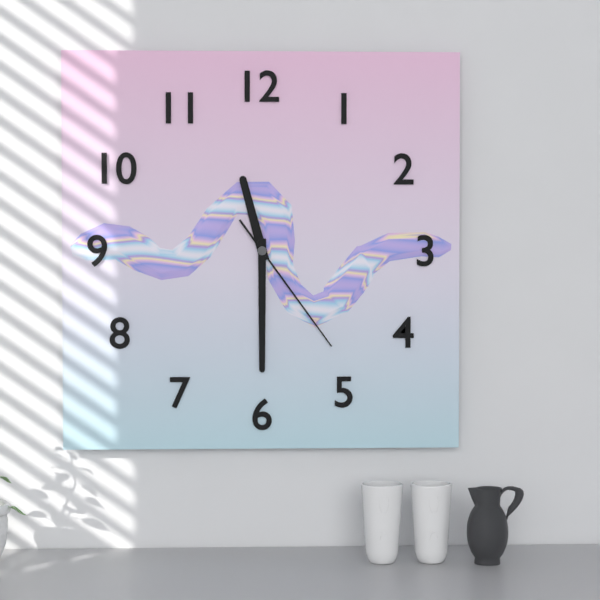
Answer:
11:30:24
